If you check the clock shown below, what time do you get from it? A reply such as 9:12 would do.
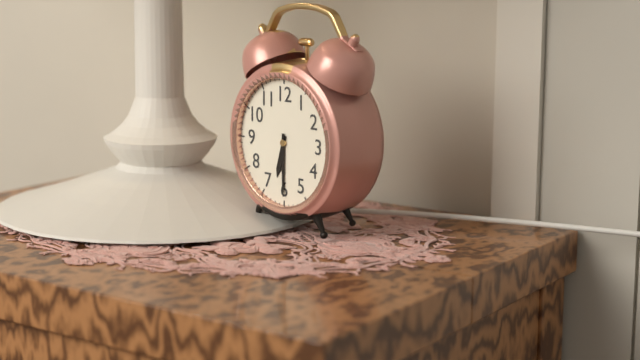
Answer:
6:30
